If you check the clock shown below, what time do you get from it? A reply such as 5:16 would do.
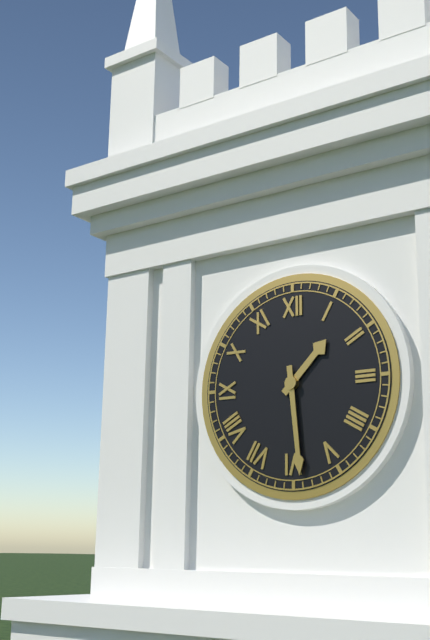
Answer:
1:29
